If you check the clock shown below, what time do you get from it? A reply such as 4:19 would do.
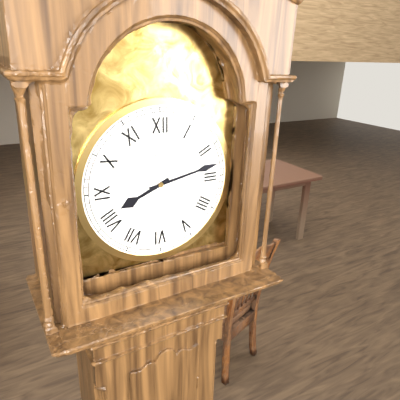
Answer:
8:13
